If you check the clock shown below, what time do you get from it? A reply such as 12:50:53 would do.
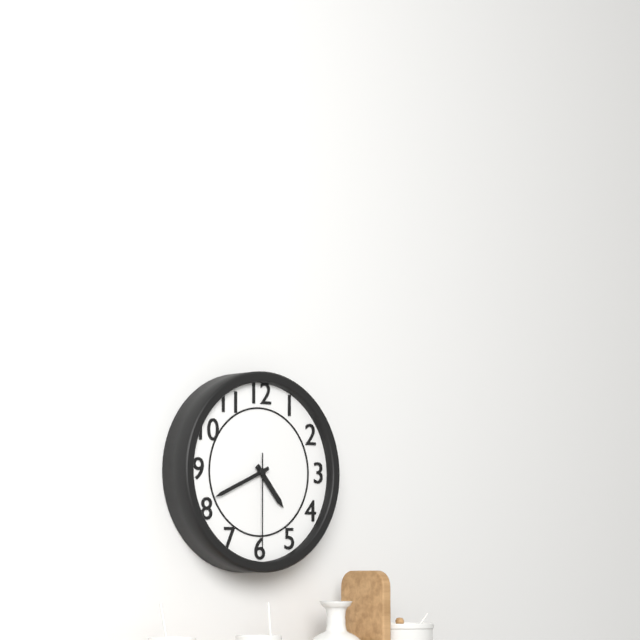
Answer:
4:41:30
